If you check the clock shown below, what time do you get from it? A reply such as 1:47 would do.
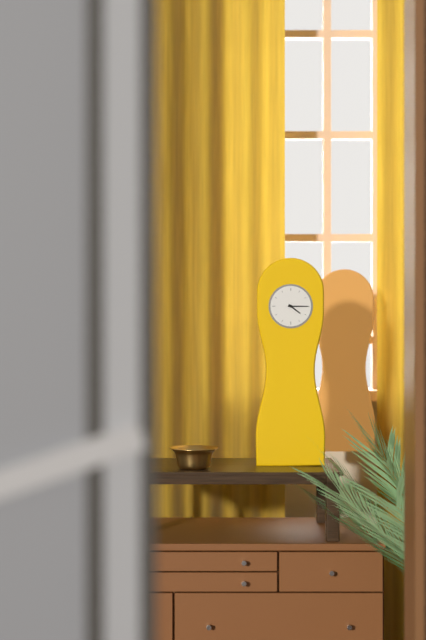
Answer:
4:15
